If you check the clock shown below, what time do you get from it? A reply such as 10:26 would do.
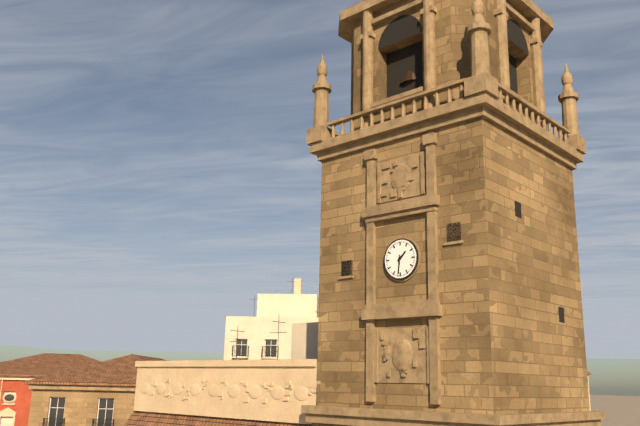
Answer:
1:31
